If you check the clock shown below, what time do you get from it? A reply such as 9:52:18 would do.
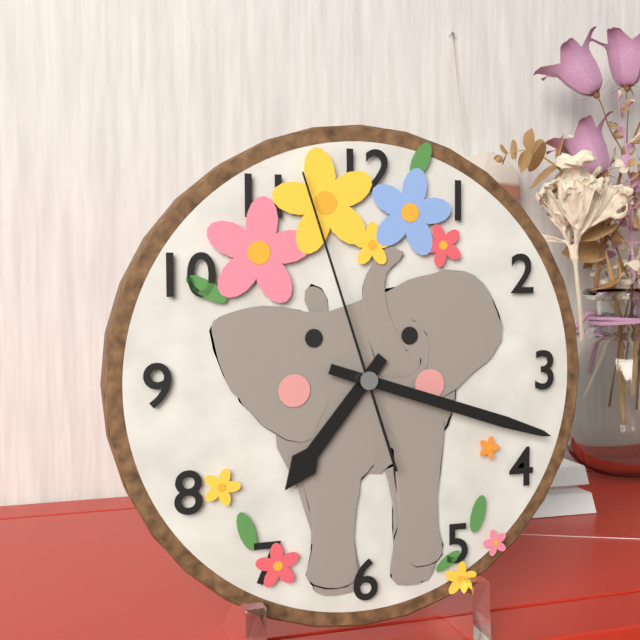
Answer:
7:18:57
